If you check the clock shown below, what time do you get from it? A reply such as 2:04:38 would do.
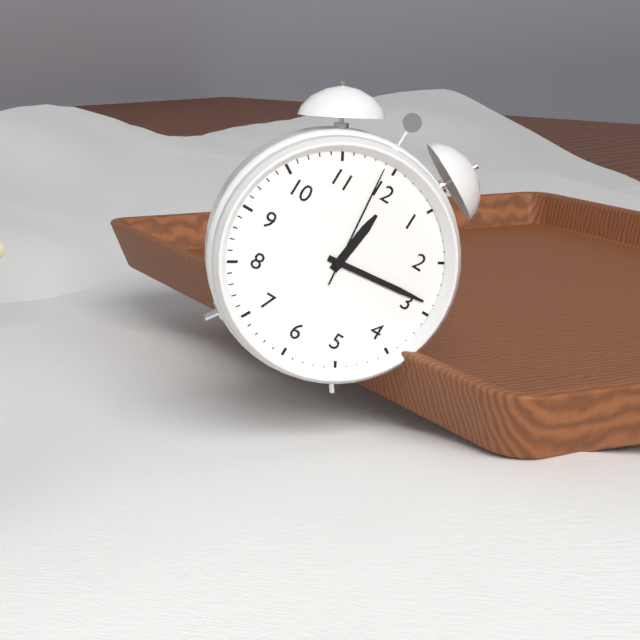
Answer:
12:14:59
